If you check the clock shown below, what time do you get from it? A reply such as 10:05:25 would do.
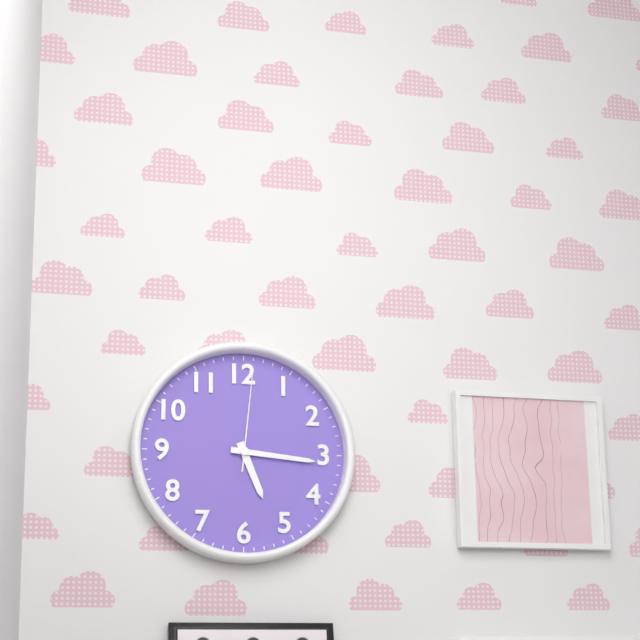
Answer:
5:16:01
